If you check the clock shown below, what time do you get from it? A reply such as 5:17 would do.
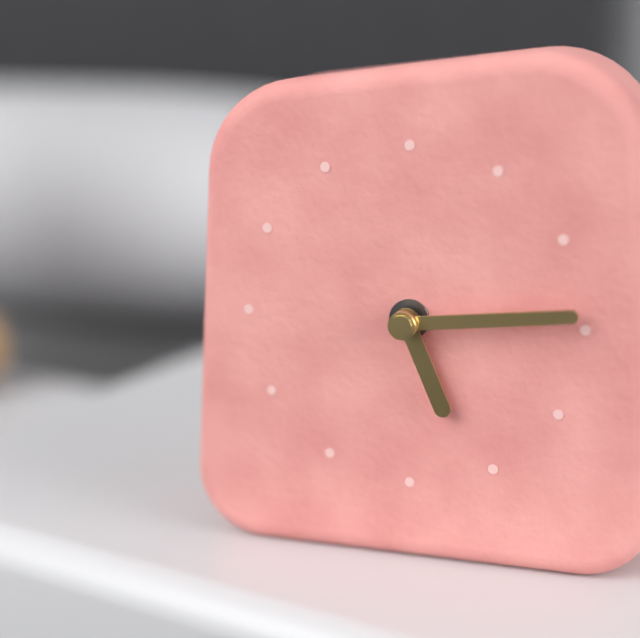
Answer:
5:14
